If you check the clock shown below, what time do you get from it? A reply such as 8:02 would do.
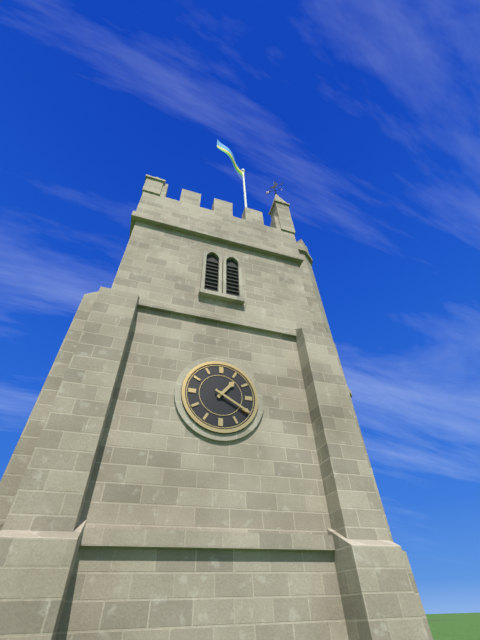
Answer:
1:20
